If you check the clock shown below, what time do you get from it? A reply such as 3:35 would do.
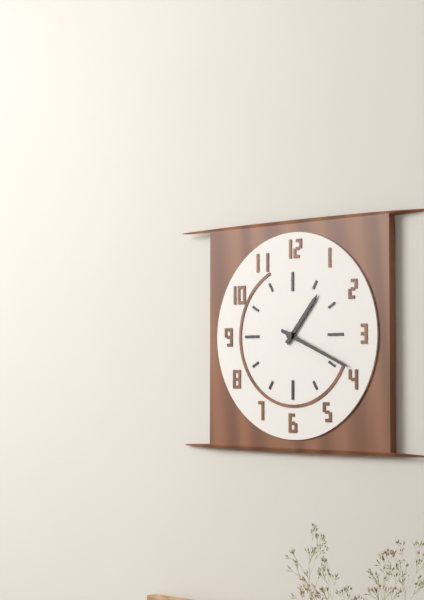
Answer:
1:19
